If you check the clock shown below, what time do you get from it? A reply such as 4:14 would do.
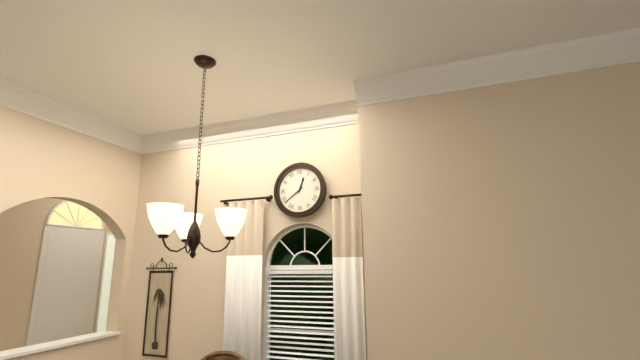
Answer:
12:39
